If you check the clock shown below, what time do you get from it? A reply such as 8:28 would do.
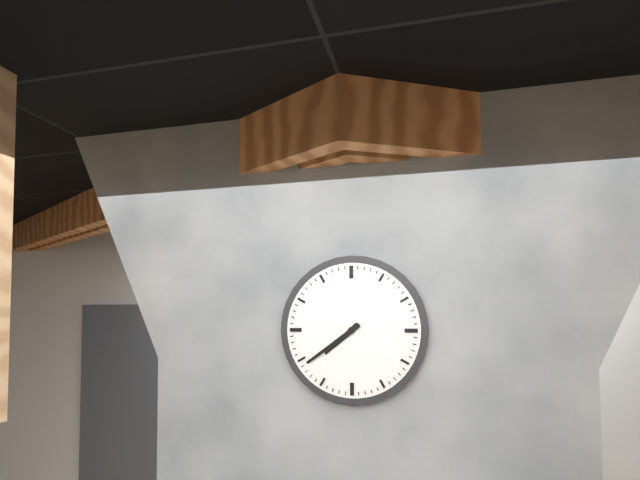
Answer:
7:39
